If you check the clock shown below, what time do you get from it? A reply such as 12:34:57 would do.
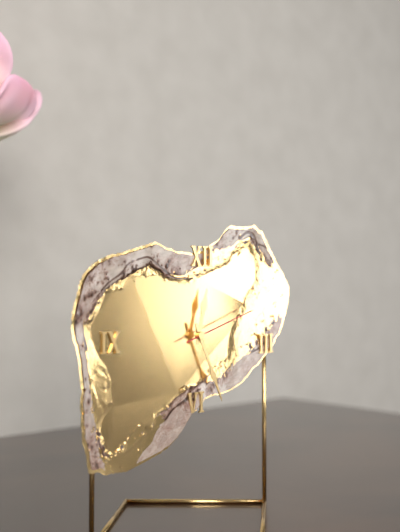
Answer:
12:26:12
